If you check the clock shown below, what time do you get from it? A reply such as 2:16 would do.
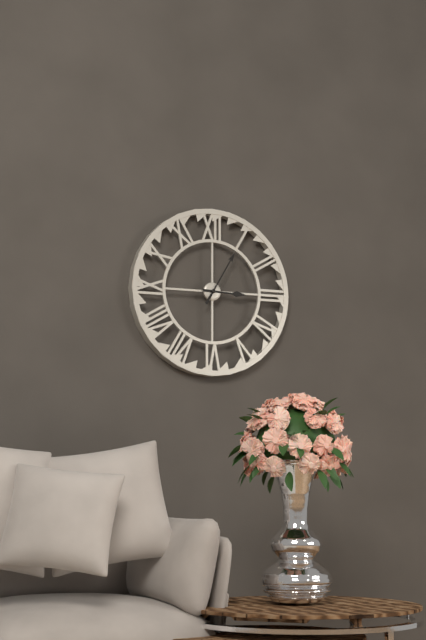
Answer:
3:05
